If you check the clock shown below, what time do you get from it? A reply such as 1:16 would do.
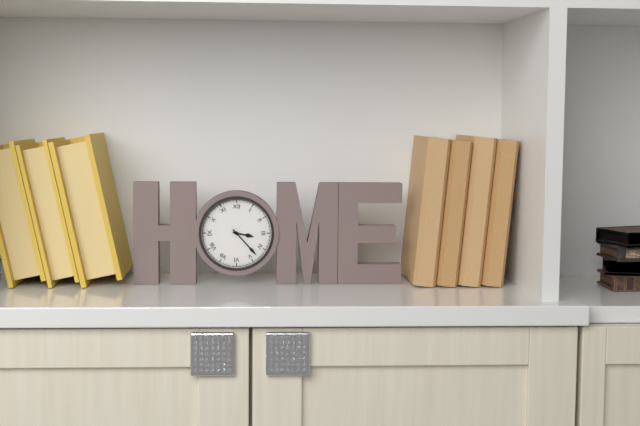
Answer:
3:23
